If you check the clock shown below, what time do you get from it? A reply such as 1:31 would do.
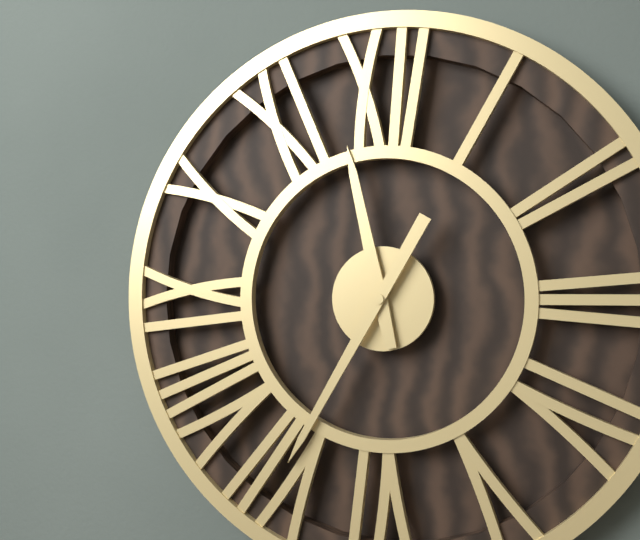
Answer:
11:35
